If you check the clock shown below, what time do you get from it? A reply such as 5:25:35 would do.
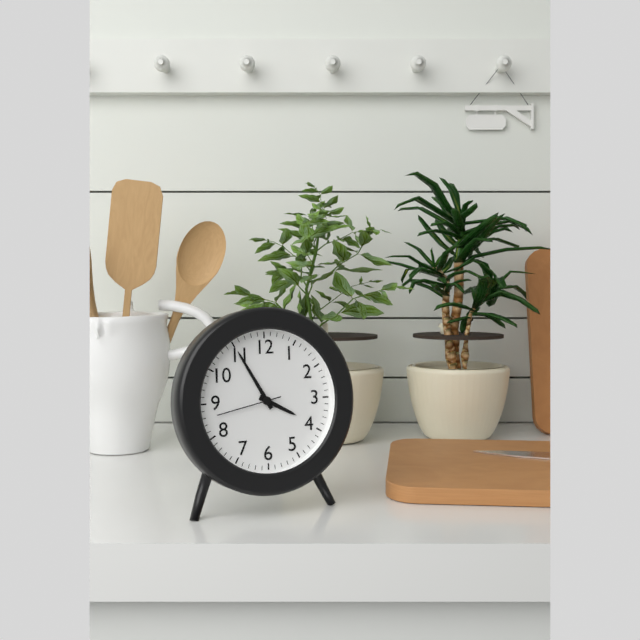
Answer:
3:55:43
